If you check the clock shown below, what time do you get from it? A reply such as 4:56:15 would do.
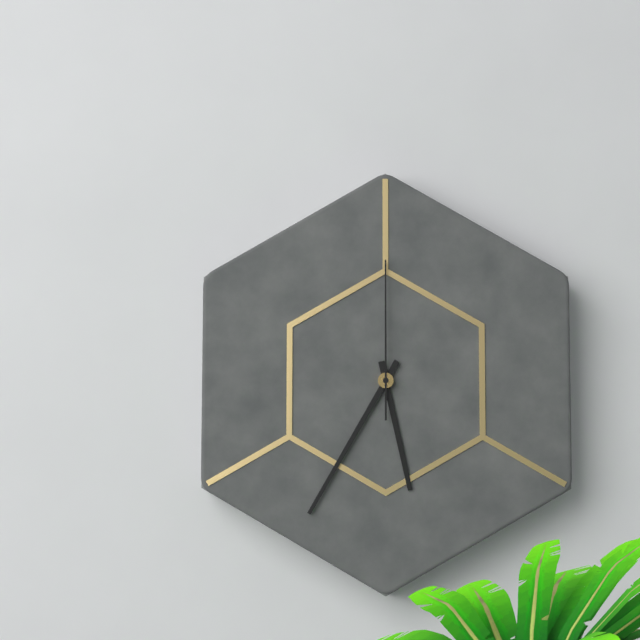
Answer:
5:35:00
